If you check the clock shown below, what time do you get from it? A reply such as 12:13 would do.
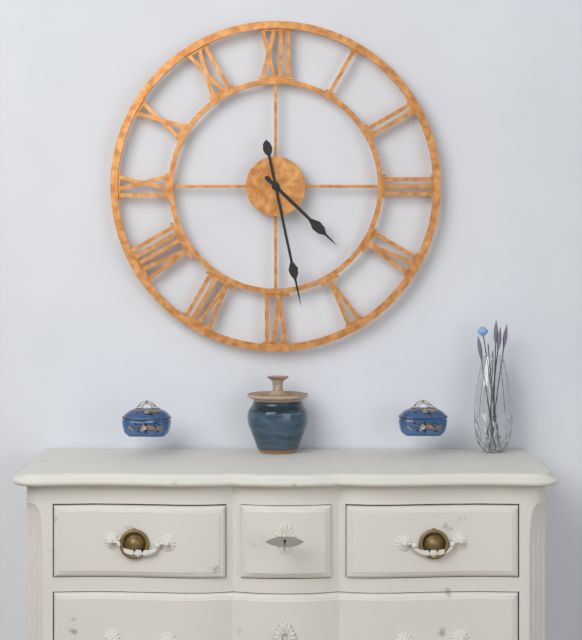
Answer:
4:28
